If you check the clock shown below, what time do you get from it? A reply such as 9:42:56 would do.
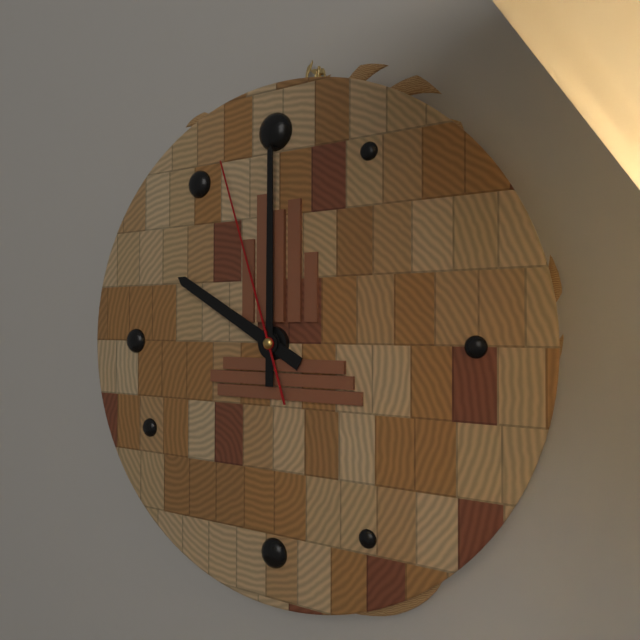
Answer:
10:00:57
